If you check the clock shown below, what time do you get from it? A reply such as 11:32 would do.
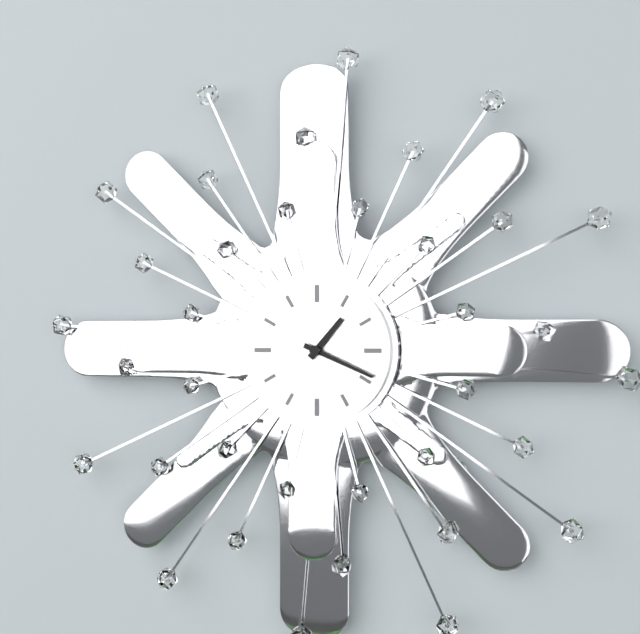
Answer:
1:19
